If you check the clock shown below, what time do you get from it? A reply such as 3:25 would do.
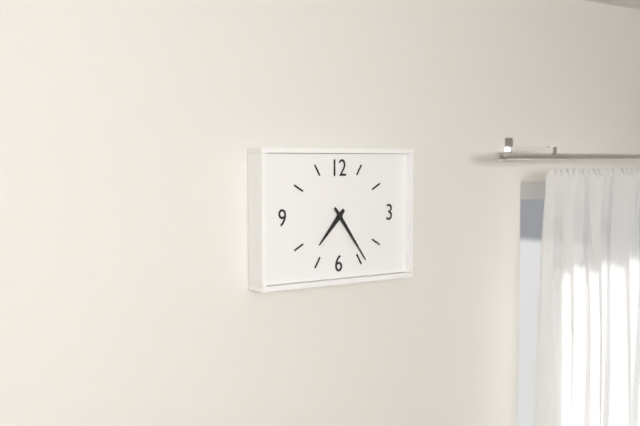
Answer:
7:24
